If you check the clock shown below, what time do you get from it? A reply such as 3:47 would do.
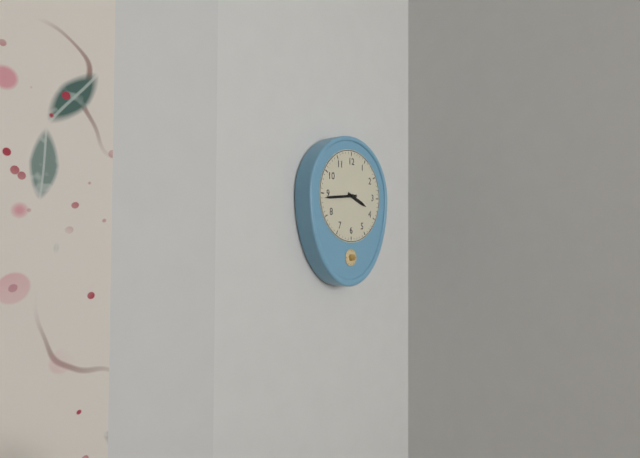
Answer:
3:44
